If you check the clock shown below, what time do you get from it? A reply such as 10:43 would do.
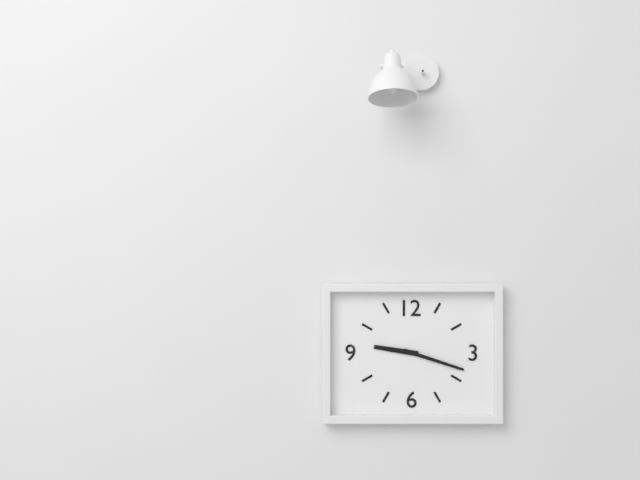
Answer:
9:18
